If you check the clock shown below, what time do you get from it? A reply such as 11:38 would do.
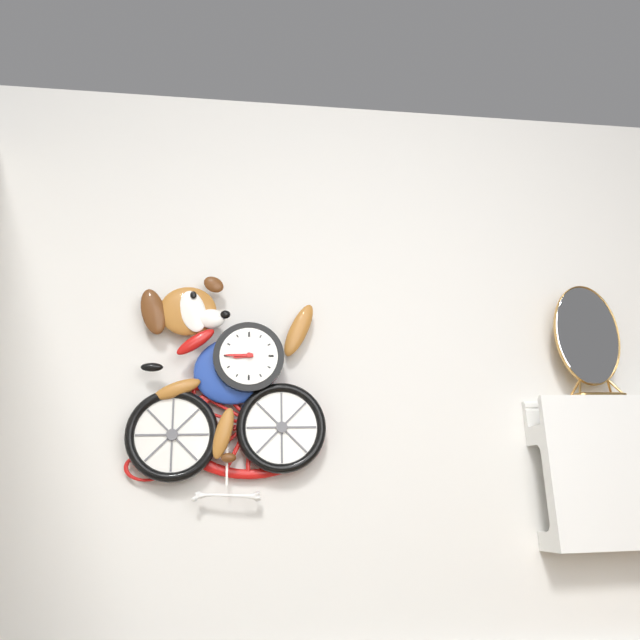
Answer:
8:45
